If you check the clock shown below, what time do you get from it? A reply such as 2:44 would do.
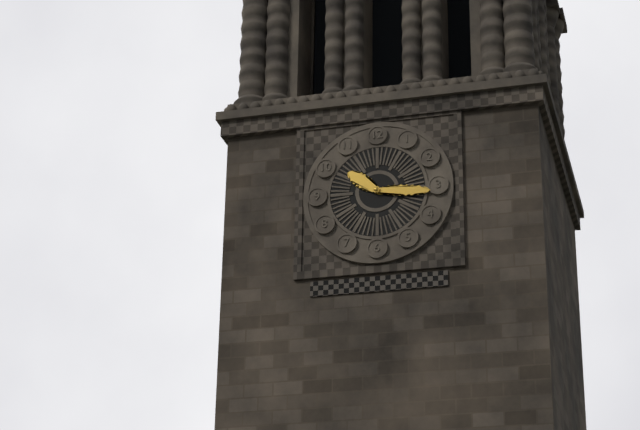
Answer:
10:16
